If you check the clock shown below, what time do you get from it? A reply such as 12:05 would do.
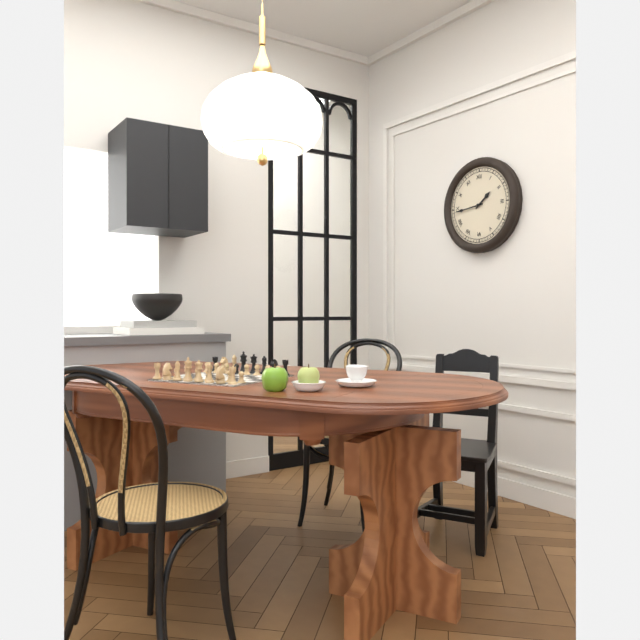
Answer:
1:44
